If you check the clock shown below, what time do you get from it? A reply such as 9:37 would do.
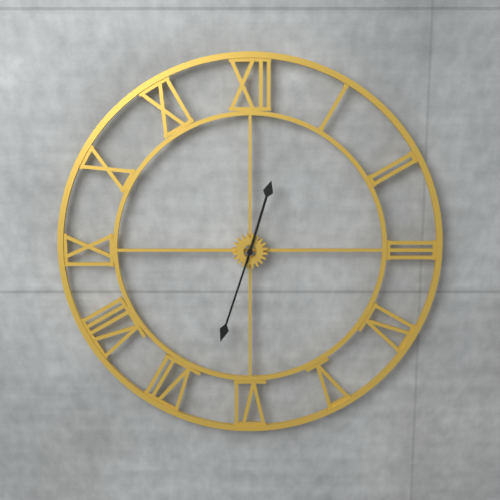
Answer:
12:33
